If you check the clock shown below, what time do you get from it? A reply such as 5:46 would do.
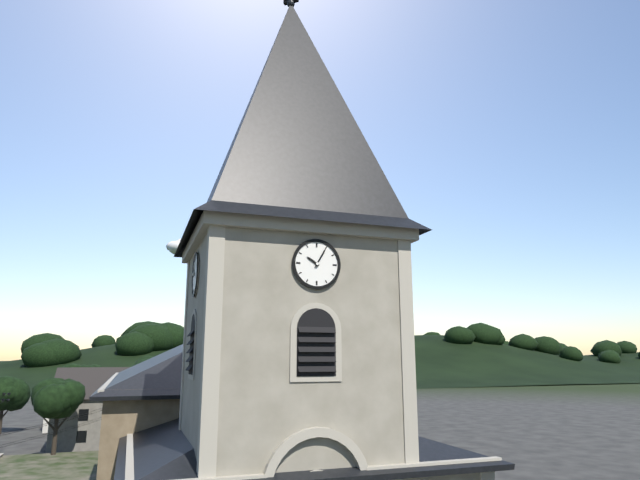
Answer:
10:05
